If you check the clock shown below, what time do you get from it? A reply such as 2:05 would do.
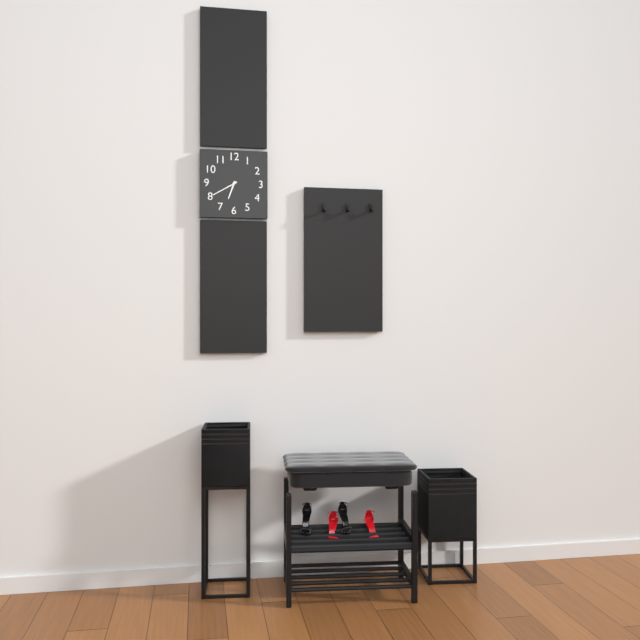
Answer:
6:40
